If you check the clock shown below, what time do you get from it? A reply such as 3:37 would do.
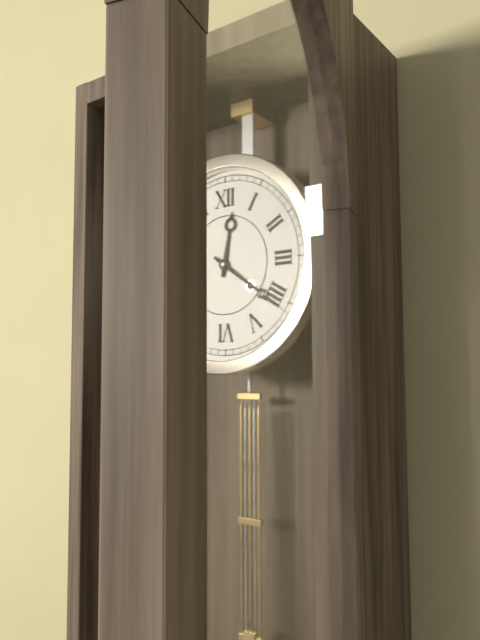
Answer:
12:21
